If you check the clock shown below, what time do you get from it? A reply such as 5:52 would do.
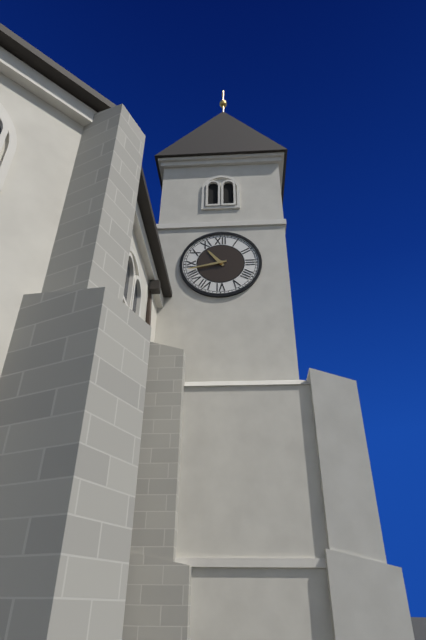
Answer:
10:43
